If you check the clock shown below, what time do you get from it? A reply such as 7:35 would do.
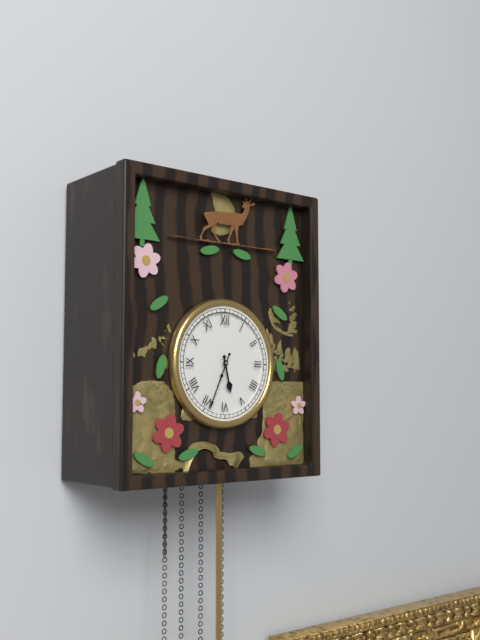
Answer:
5:34
